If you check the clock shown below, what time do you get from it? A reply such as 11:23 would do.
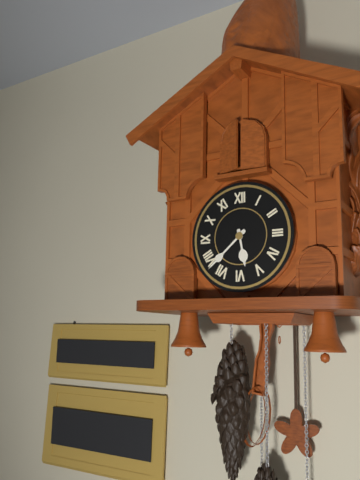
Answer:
5:38
